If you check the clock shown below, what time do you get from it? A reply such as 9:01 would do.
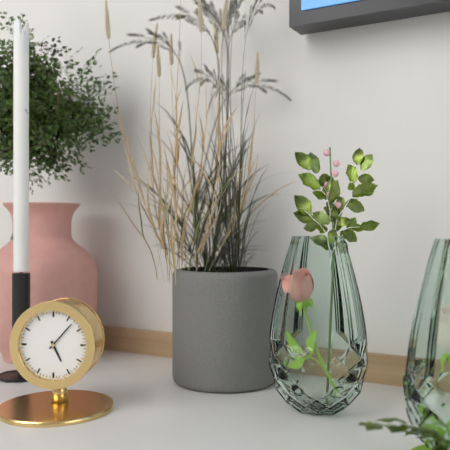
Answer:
5:07
